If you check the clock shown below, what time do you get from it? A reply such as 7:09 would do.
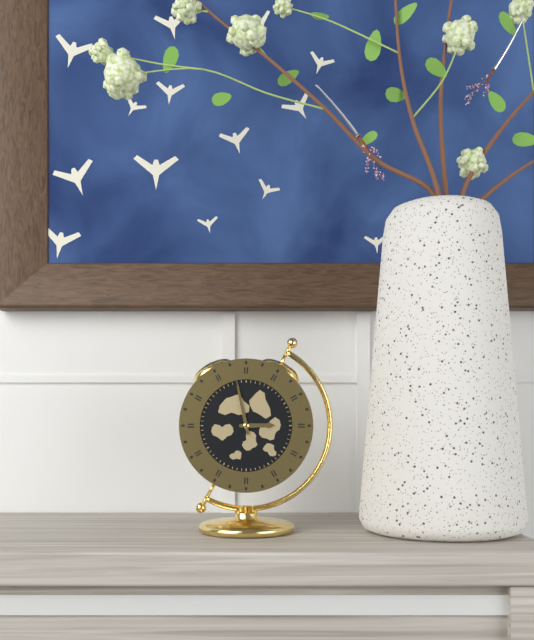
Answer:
2:58
